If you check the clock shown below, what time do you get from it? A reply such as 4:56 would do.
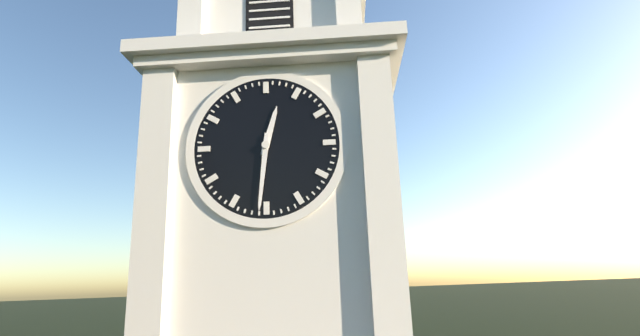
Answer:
12:31
